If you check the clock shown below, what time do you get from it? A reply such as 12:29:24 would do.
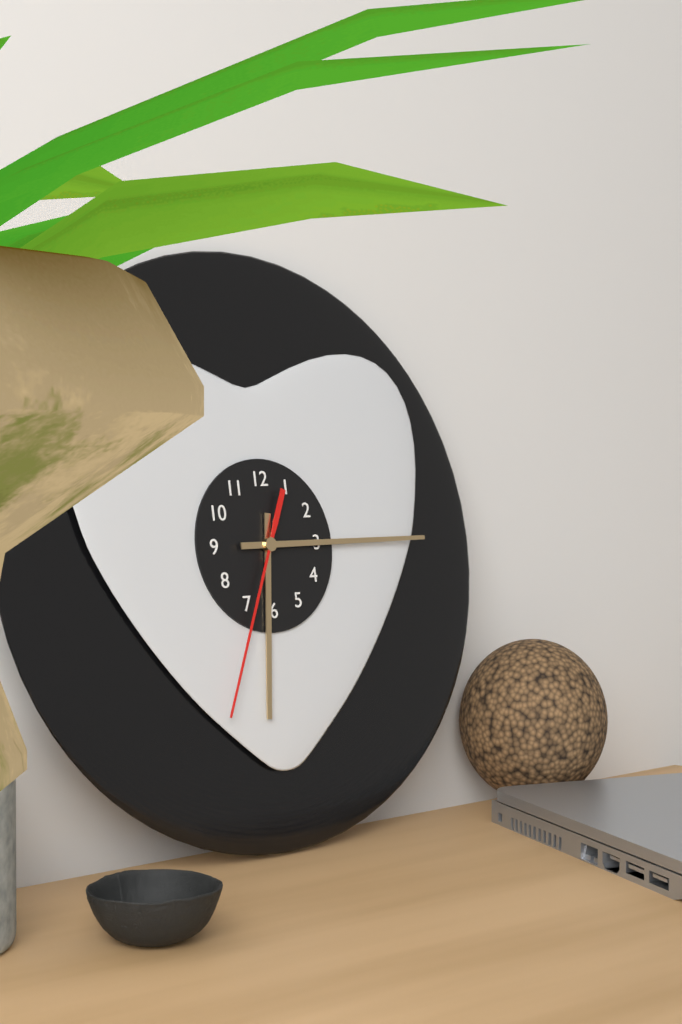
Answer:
6:15:34
